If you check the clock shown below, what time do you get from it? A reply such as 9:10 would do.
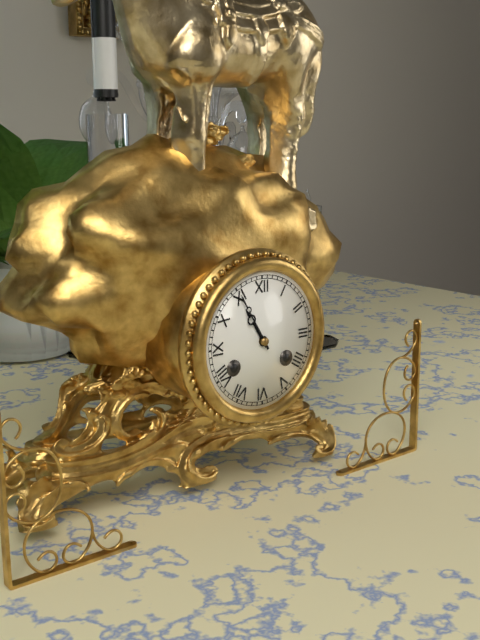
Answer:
10:55
